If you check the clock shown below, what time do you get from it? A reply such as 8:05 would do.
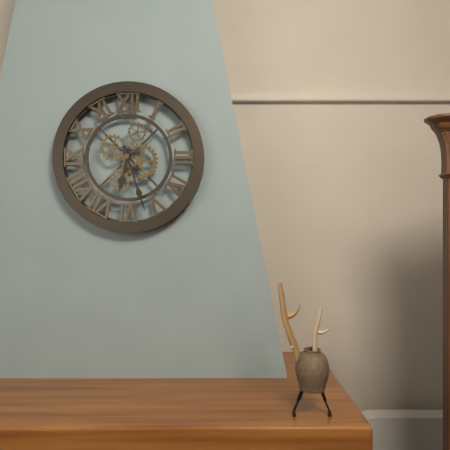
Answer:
6:27
